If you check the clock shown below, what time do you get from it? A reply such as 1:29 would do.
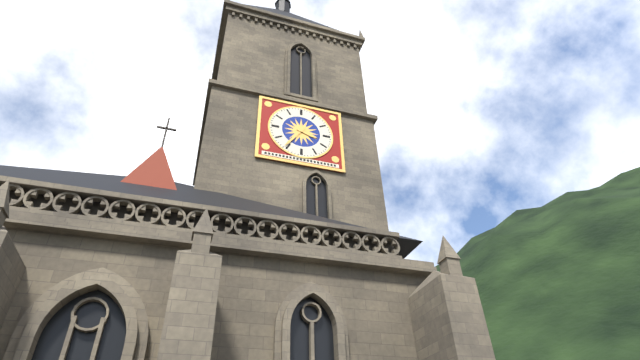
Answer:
3:36
